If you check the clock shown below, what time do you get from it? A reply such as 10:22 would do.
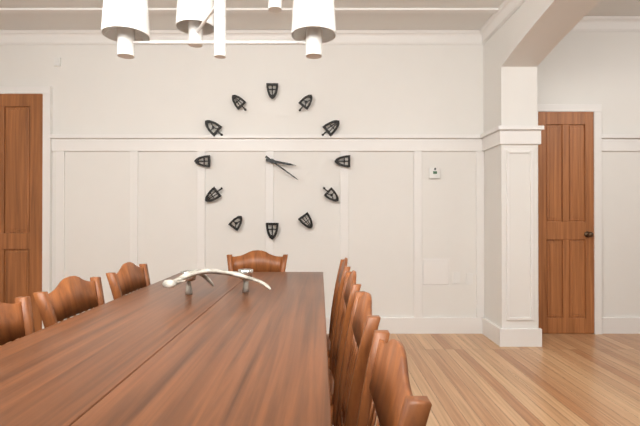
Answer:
3:21
